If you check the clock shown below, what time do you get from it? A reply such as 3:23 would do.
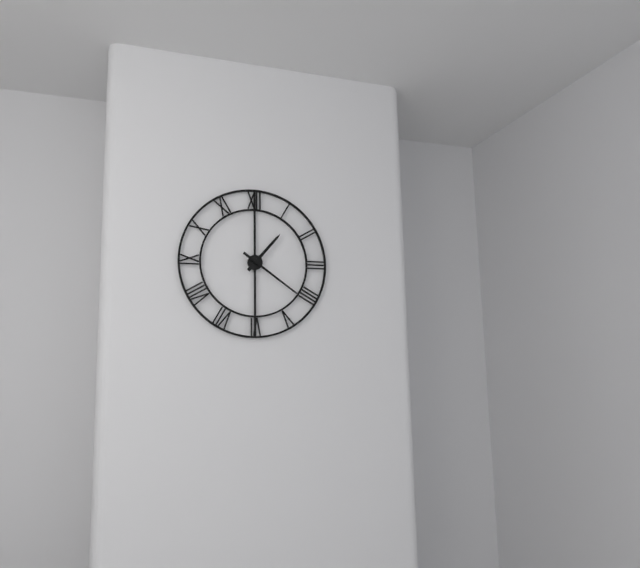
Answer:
1:21
